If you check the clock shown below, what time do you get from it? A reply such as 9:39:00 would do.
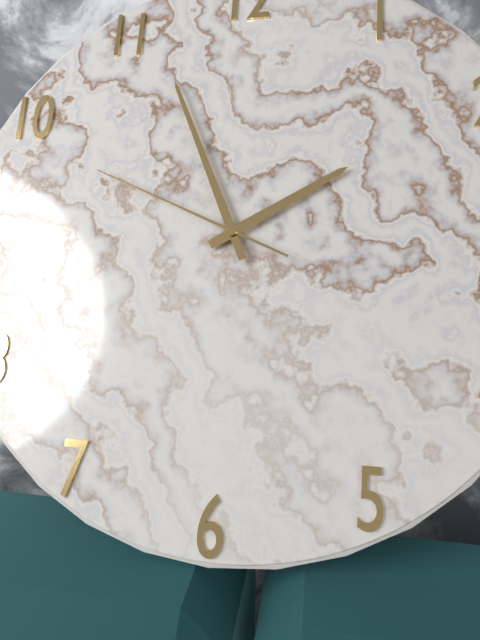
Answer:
1:56:49
